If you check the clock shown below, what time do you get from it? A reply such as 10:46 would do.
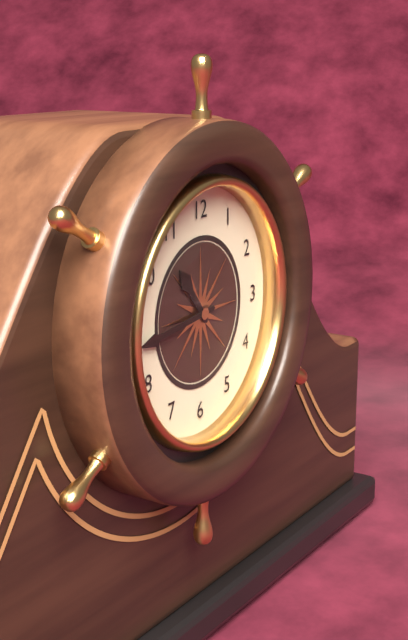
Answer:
10:44
